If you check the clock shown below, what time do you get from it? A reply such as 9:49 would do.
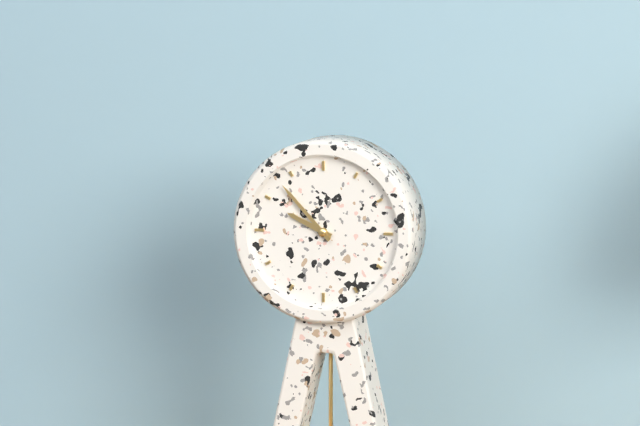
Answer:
9:53
